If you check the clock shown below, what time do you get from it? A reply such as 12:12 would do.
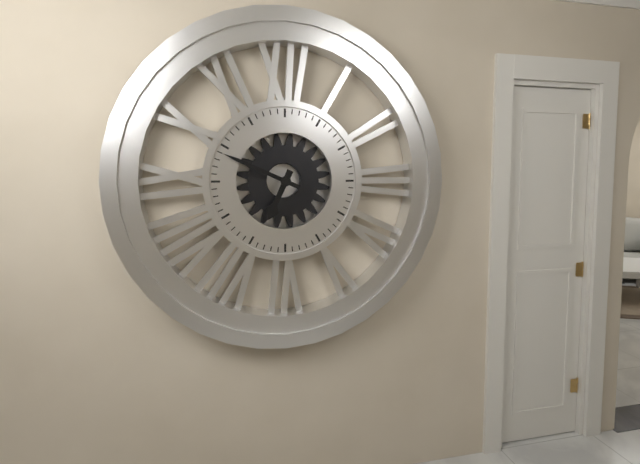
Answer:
6:49
